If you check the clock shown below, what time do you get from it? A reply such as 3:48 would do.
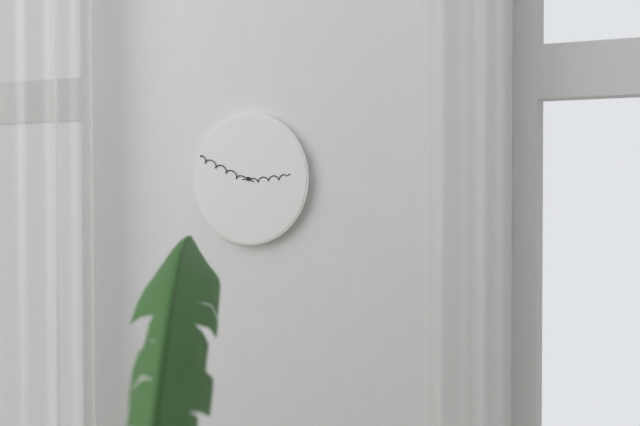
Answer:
2:49
